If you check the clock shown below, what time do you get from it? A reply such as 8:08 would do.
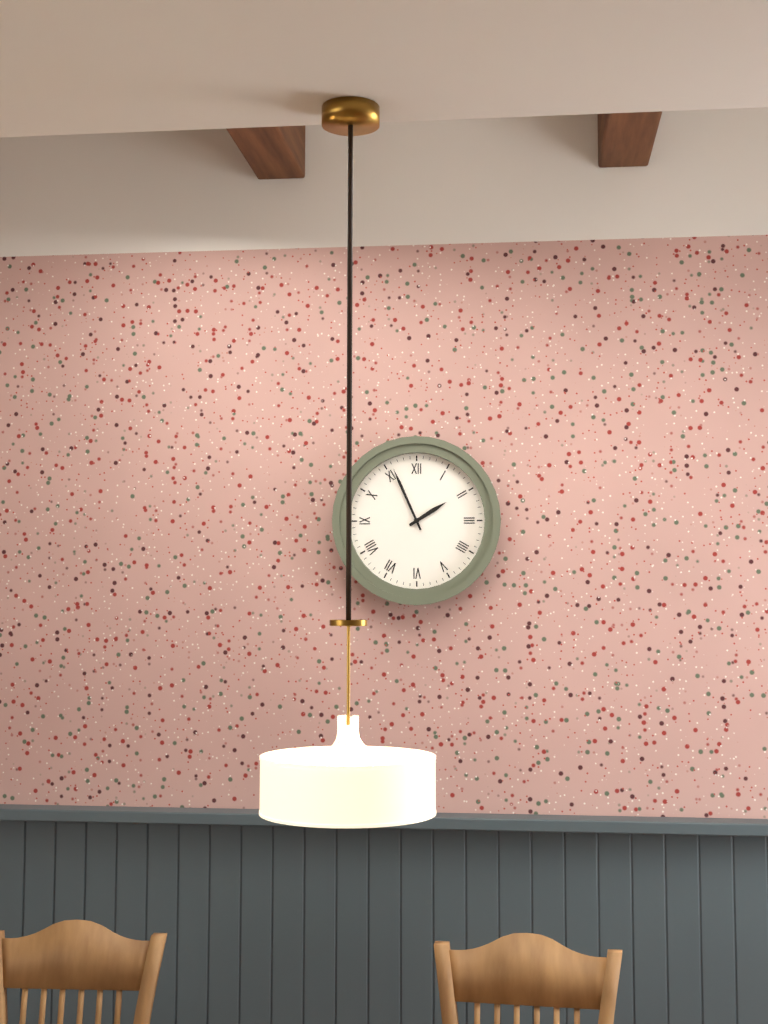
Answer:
1:56
